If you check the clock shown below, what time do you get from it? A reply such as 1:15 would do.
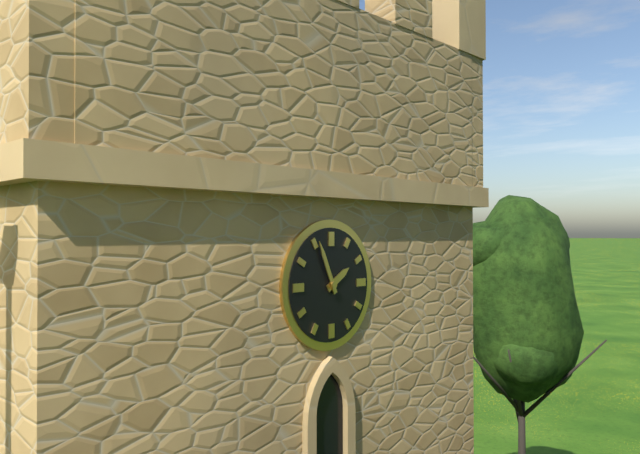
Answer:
1:56
